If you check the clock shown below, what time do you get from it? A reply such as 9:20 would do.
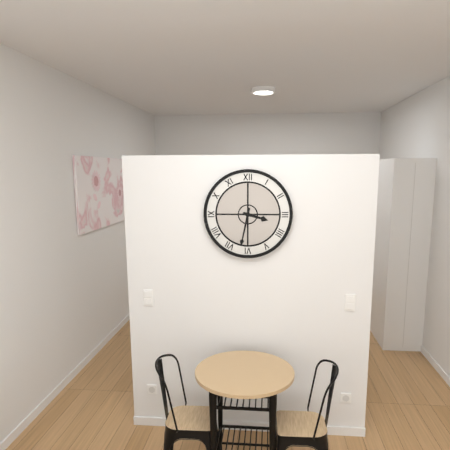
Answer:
3:32
